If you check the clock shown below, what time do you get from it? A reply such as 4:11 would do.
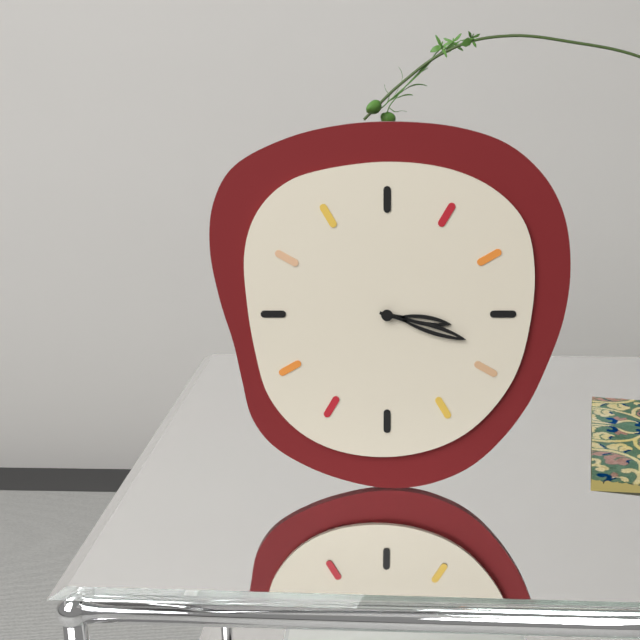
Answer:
3:18
